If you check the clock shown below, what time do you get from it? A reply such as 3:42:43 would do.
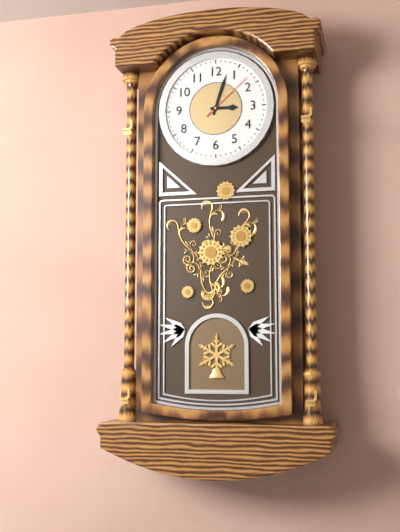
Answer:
3:03:08
